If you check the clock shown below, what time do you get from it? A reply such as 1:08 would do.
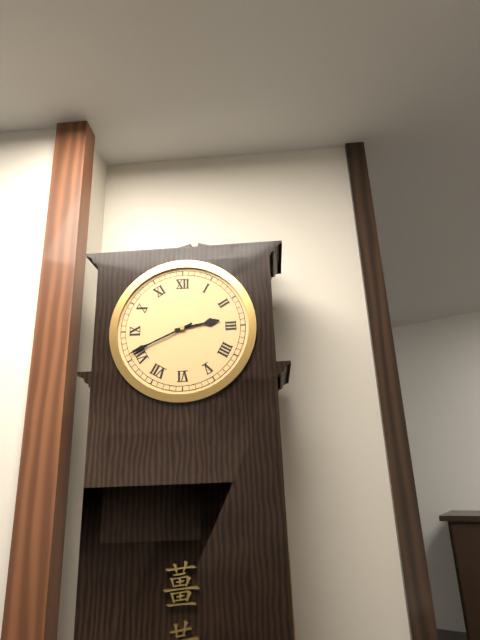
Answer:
2:41
